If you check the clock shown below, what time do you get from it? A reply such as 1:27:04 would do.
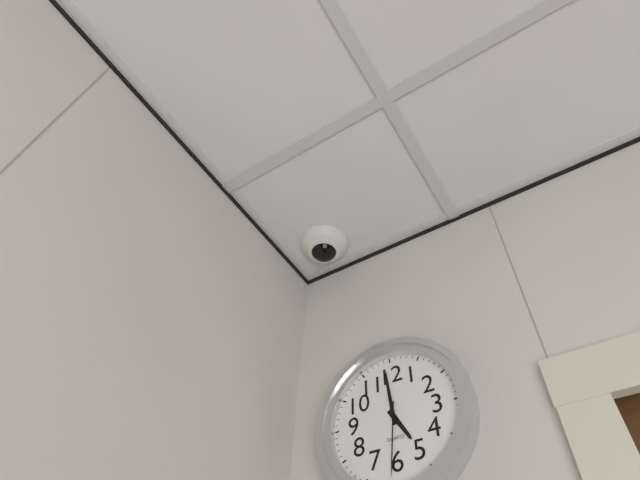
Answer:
4:59:31
